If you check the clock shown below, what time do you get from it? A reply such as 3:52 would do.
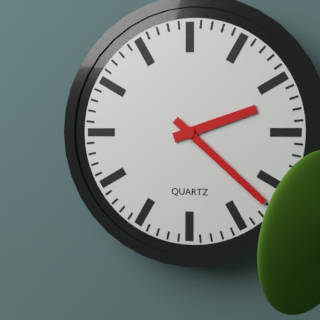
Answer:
2:22
